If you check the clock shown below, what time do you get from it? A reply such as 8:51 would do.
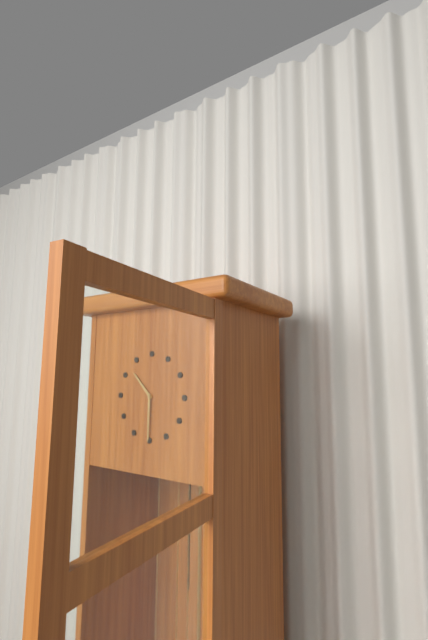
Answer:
10:30
